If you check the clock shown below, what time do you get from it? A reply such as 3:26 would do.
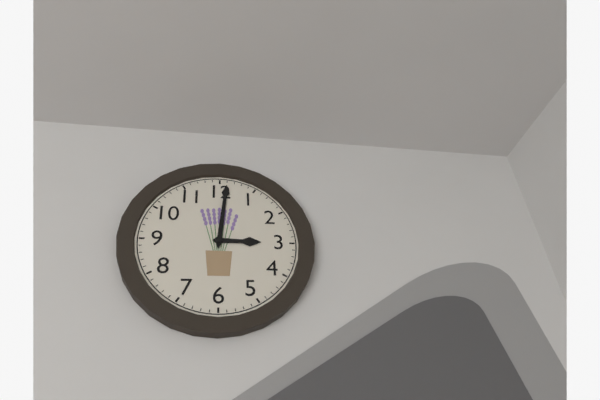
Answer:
3:01
